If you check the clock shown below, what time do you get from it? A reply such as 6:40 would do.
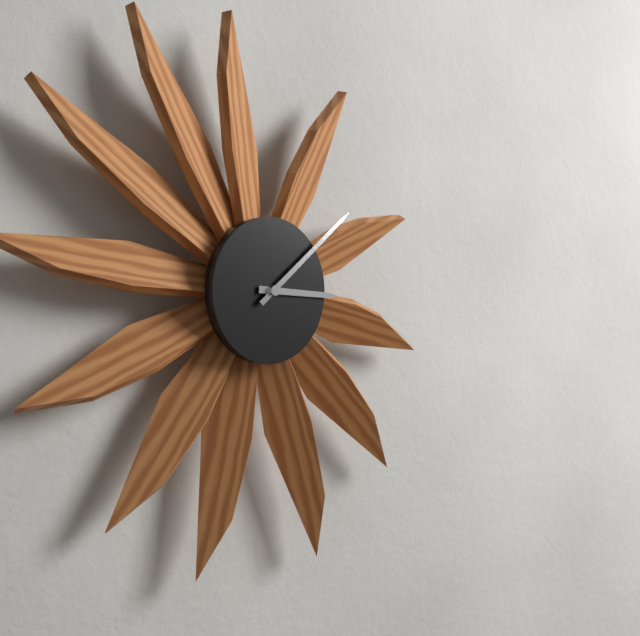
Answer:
3:08
